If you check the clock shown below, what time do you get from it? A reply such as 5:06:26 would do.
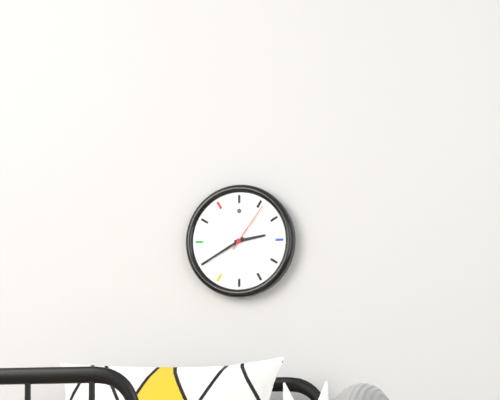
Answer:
2:40:06
